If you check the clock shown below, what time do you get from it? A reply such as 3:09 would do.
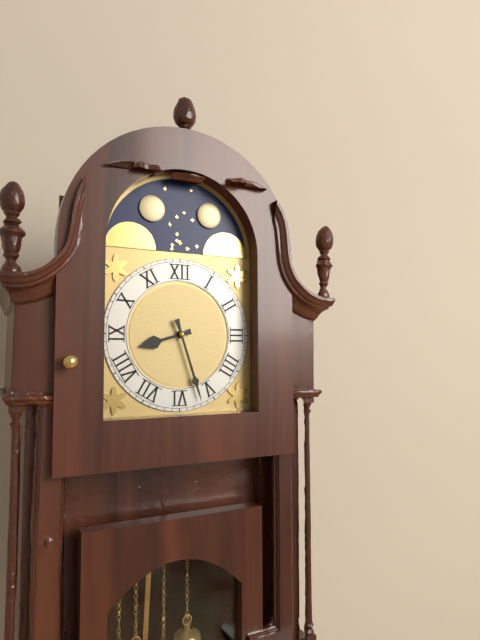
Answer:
8:27
